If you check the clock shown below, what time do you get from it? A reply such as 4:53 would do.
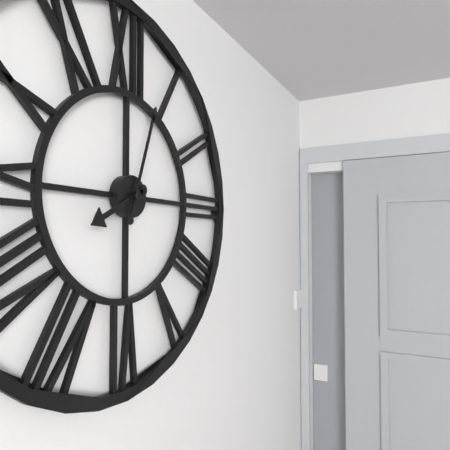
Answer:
8:03
